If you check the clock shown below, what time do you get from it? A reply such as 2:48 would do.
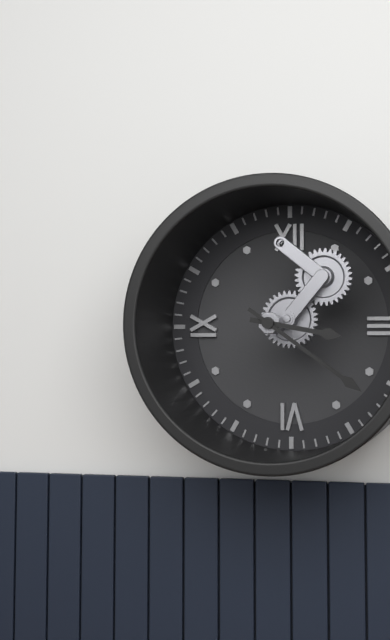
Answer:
3:21
